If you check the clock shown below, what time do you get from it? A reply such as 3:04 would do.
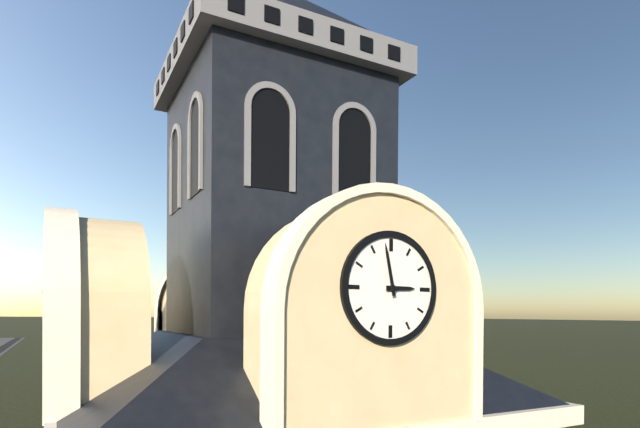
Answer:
2:58
